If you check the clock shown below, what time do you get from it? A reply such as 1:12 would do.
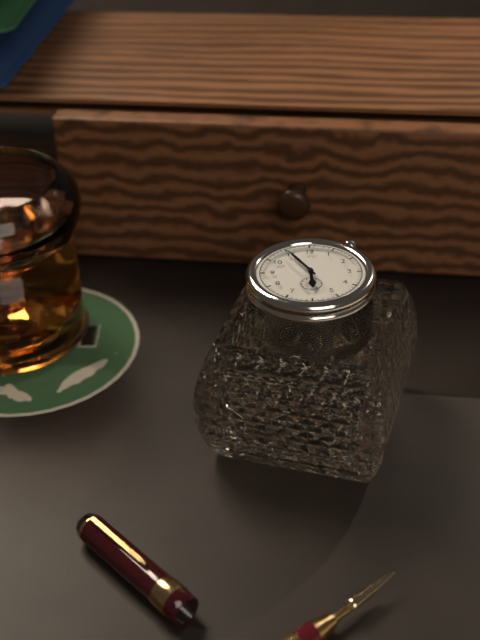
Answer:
5:55
